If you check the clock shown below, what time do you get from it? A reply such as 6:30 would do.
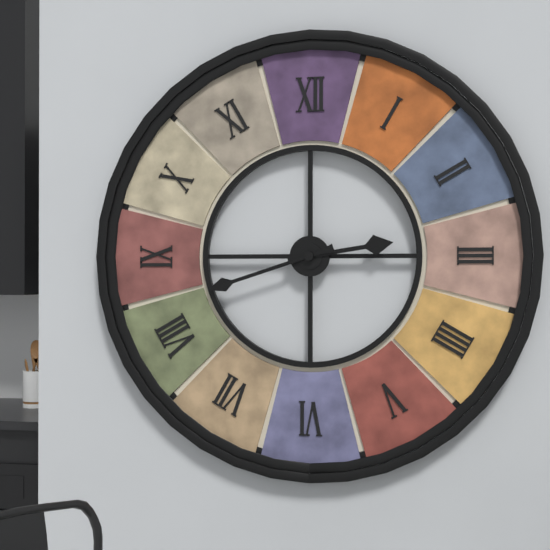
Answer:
2:42
